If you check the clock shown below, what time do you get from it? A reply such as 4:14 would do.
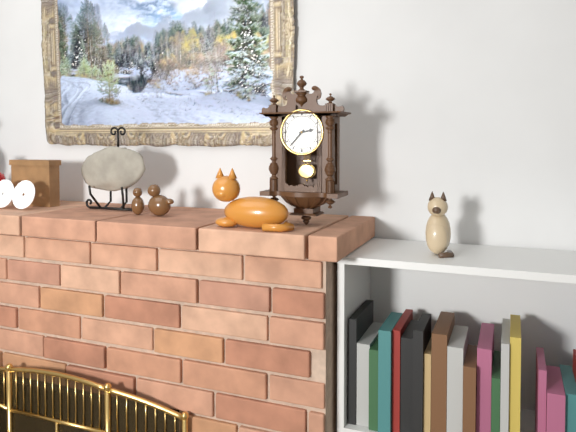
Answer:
2:37
